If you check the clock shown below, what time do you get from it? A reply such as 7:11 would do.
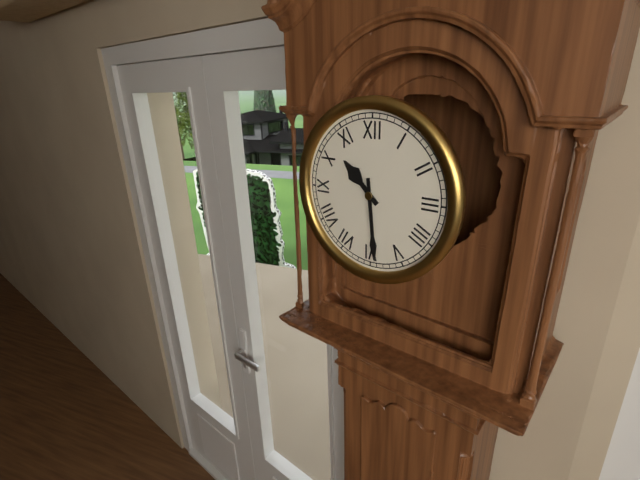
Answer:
10:29
